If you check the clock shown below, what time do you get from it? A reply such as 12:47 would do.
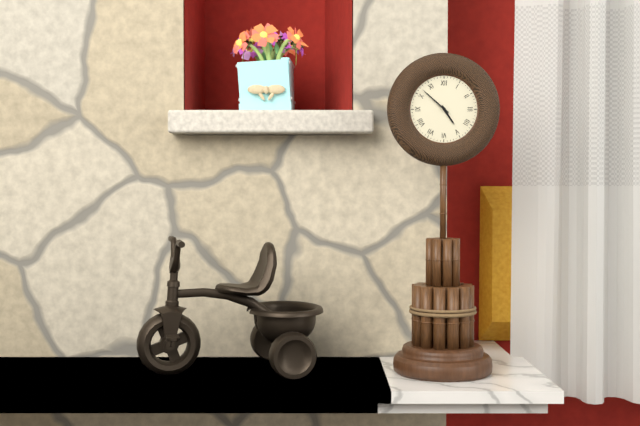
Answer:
4:52
